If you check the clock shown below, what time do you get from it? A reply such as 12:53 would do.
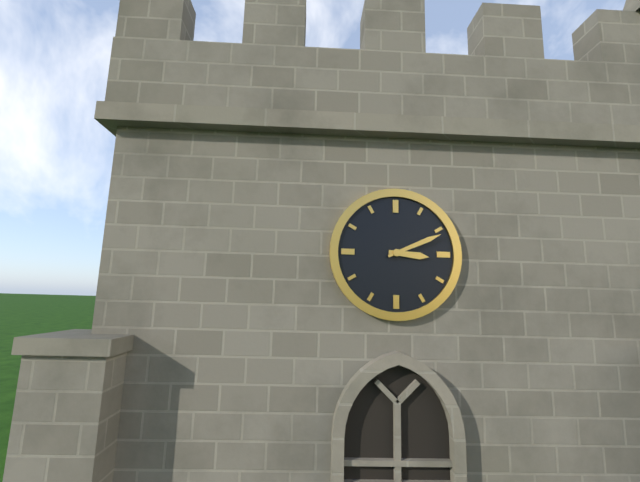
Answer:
3:11
